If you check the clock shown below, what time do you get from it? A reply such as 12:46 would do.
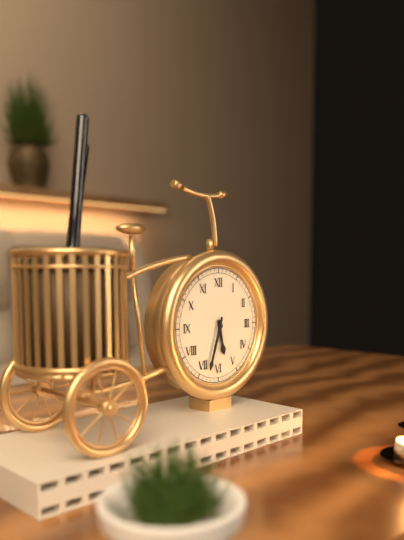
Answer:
5:33
